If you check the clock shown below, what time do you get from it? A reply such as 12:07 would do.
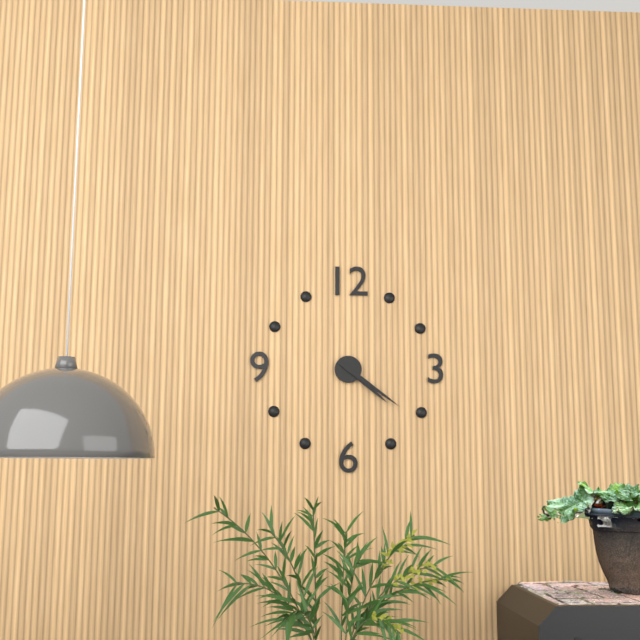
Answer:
4:21
